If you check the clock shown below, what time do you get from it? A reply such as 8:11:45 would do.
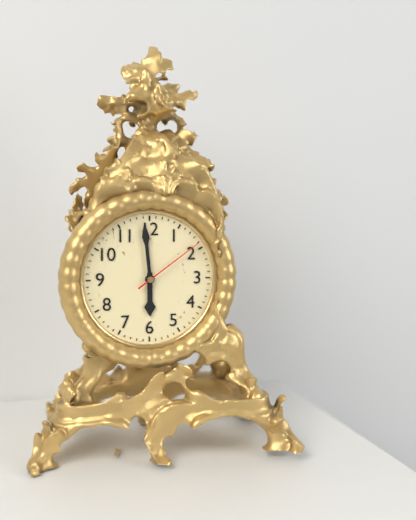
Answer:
5:59:09
